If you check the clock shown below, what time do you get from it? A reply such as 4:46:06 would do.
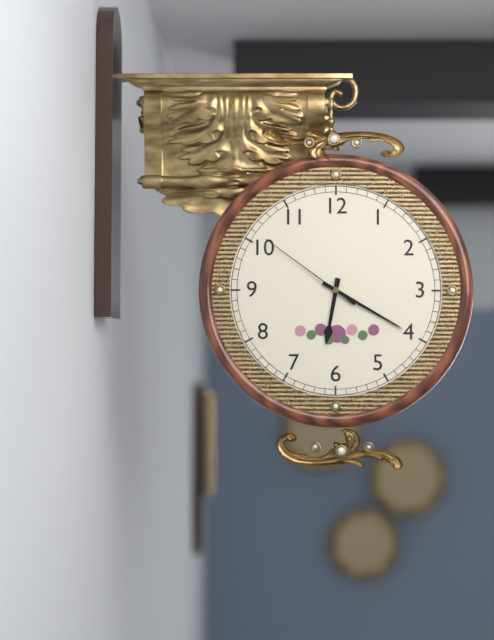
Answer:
6:20:51
